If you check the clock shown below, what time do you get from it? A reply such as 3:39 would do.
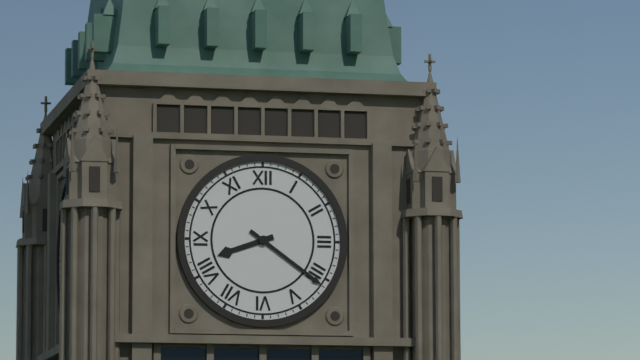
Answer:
8:21
